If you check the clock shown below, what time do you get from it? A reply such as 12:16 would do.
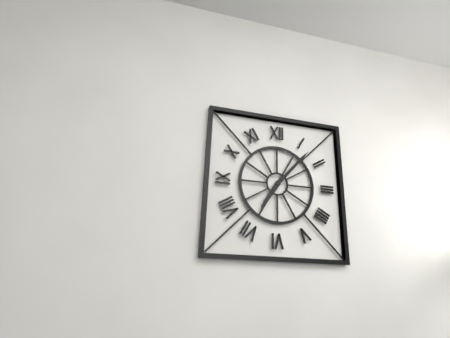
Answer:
7:07
